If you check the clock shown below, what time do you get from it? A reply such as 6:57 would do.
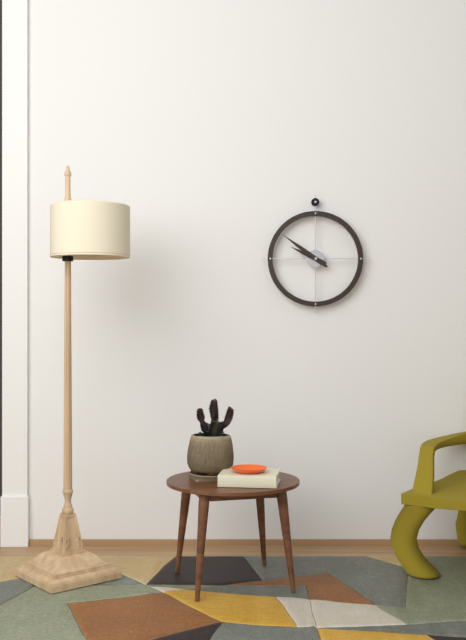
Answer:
9:51
